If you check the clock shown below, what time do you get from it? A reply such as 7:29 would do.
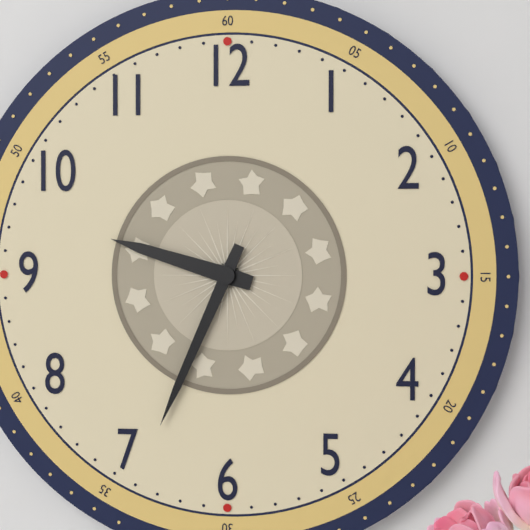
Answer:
9:34
